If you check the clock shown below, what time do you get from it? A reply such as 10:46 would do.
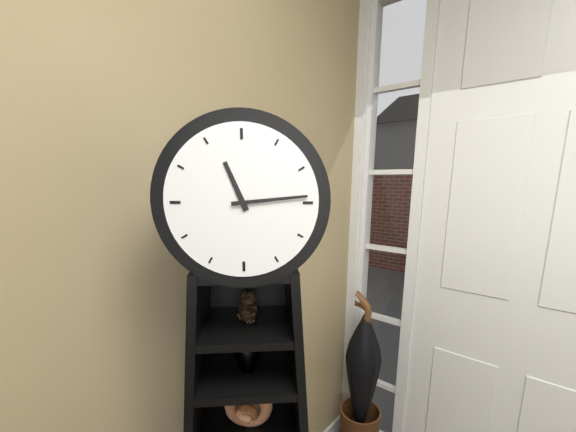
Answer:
11:14
